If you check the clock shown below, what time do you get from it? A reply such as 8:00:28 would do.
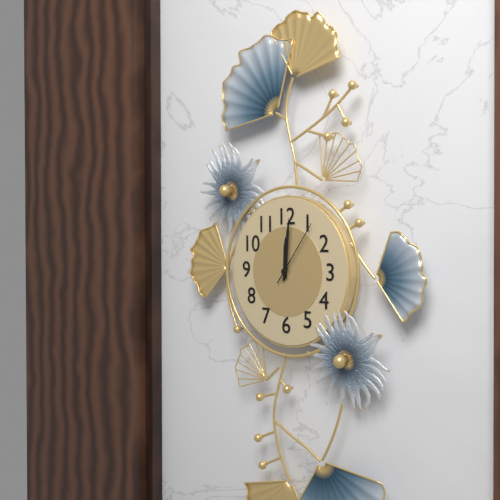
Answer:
12:01:06
